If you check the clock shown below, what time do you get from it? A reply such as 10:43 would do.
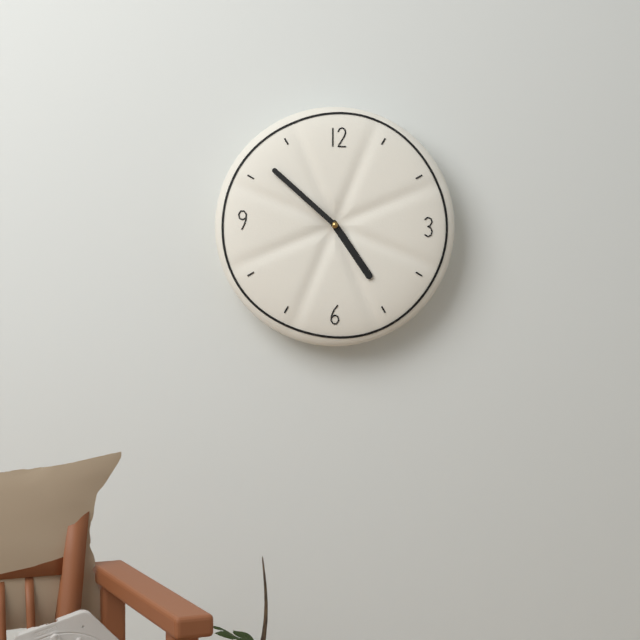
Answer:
4:52
